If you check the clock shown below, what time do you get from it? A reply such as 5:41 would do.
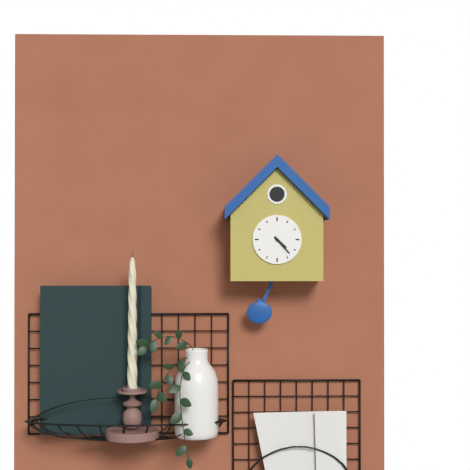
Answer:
4:23
